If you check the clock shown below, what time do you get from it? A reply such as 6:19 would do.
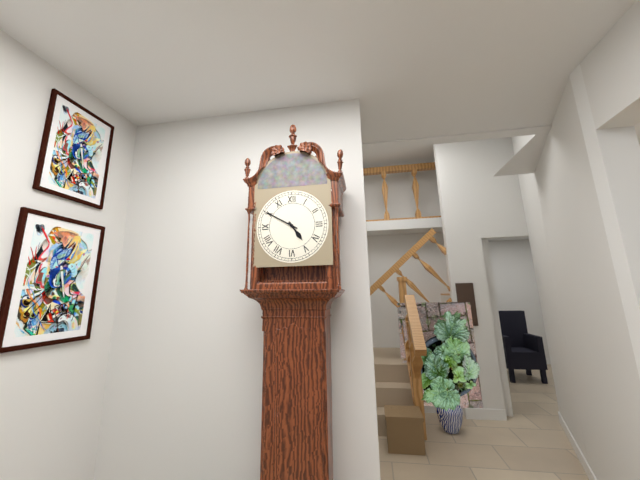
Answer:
4:50
